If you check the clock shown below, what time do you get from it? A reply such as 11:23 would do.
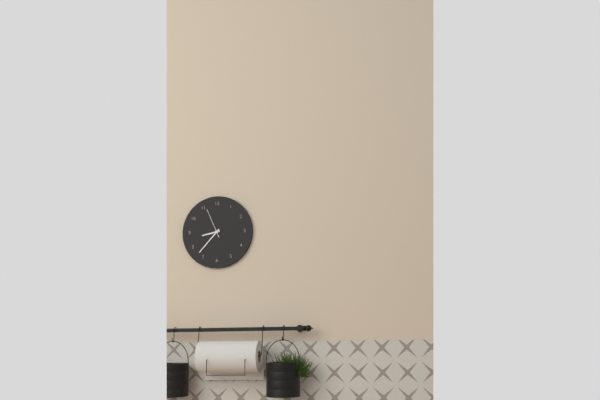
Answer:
8:37
